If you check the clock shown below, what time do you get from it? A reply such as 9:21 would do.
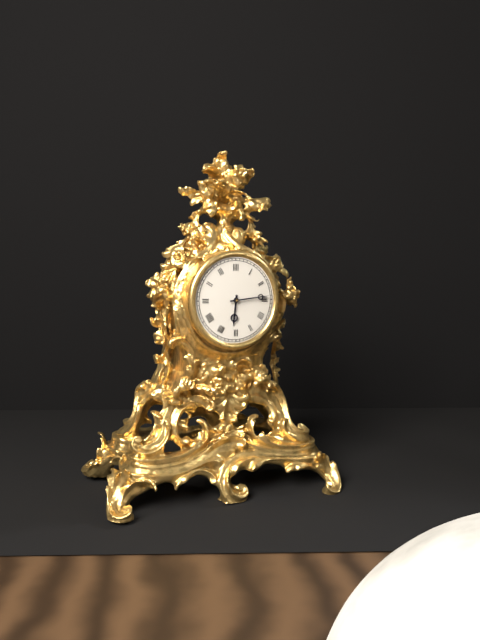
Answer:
6:14
